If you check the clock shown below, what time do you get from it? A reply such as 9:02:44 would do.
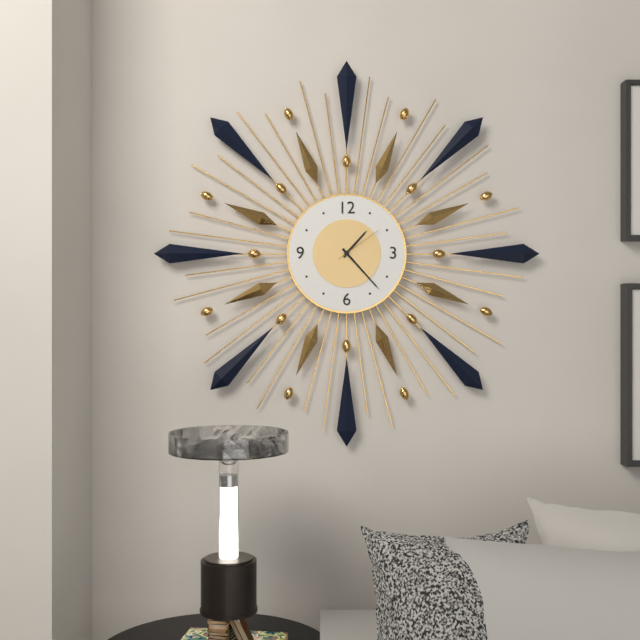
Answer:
1:23:09
